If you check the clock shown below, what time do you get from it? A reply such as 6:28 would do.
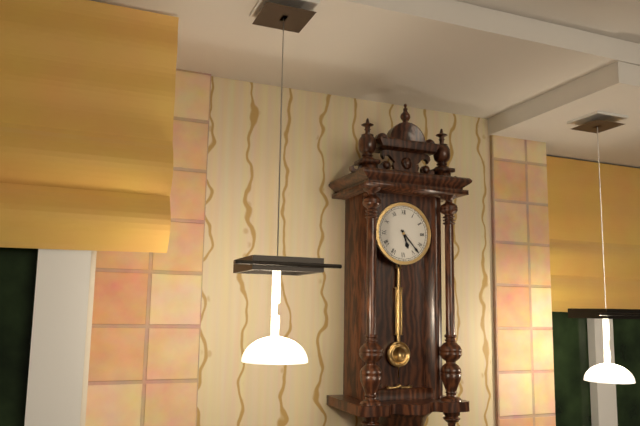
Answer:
5:23
